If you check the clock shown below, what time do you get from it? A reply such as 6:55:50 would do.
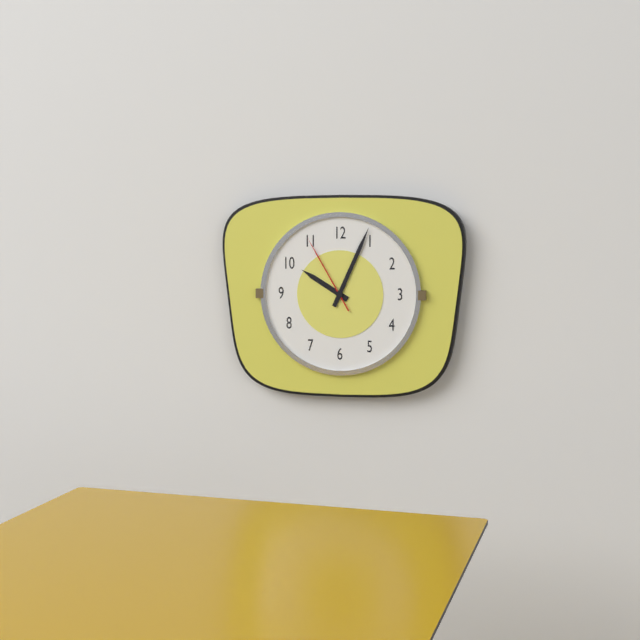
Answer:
10:04:55
